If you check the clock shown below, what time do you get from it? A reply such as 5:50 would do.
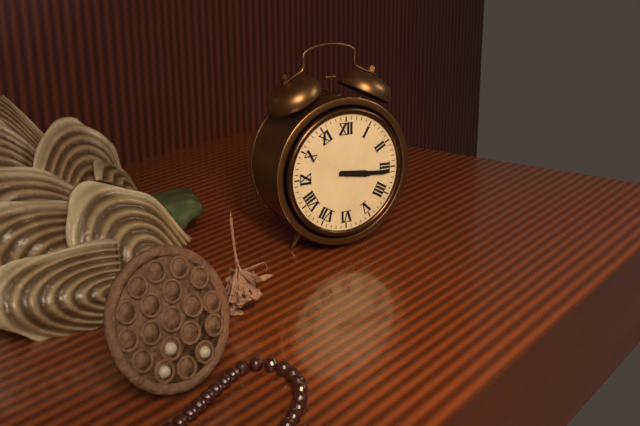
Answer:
3:16
